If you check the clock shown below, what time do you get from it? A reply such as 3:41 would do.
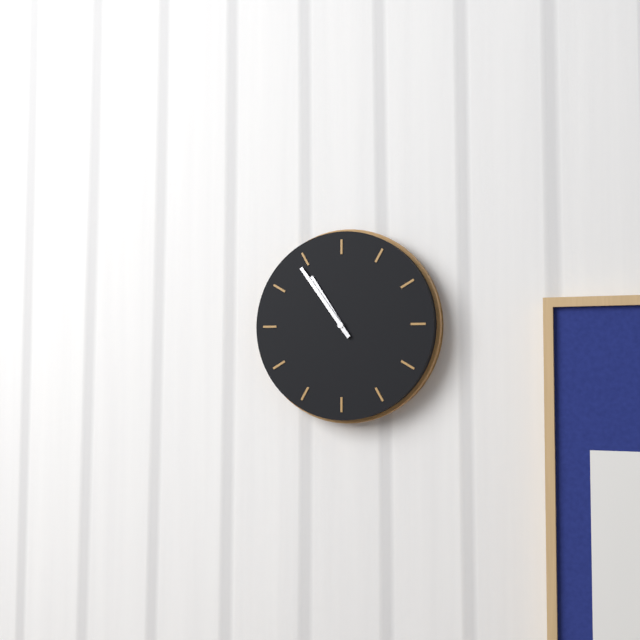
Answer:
10:54
